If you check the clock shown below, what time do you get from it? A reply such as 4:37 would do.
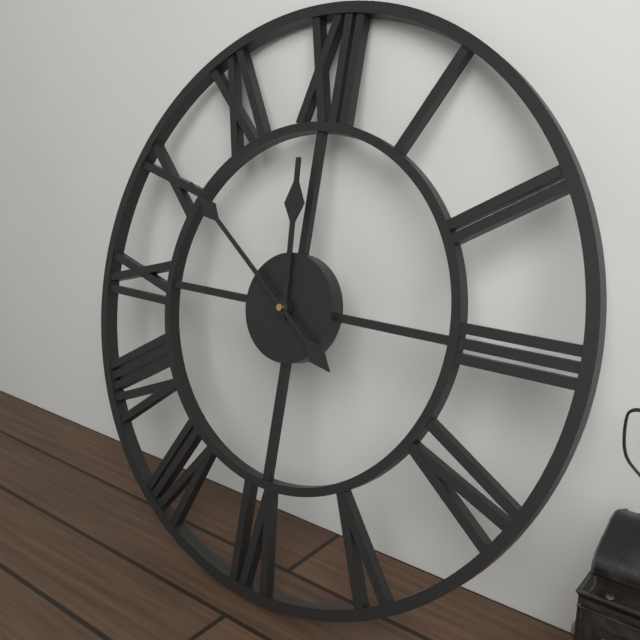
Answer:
11:51
